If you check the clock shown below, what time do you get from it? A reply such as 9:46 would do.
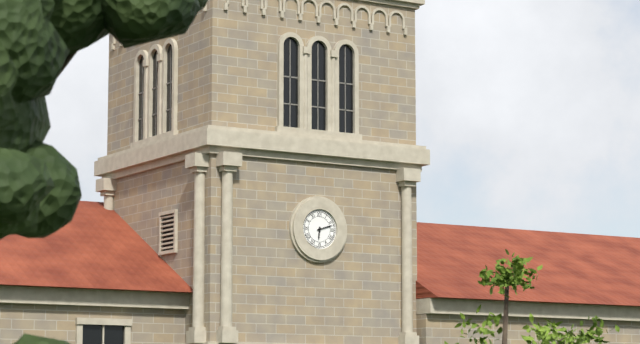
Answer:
6:12
